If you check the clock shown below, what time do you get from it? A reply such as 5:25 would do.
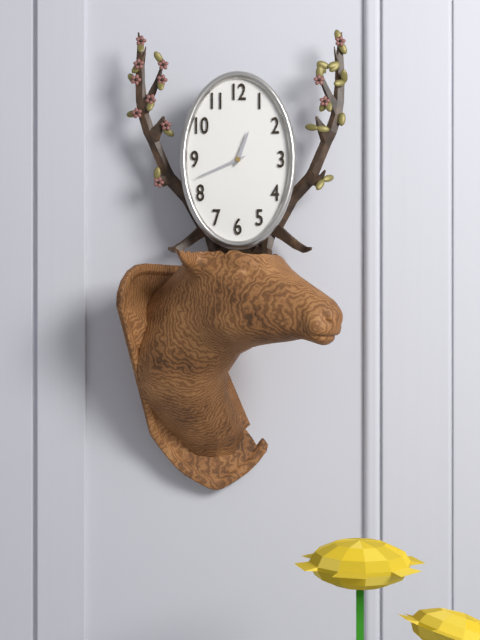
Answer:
12:41
